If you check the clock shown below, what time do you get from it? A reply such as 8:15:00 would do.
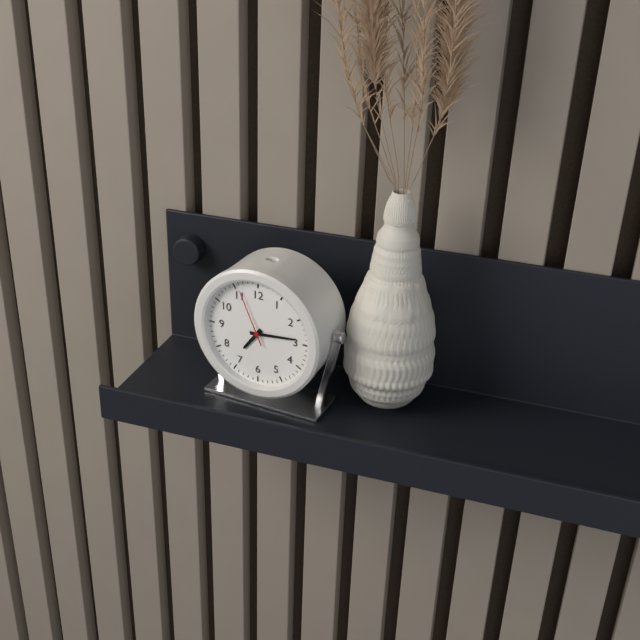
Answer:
7:14:56
